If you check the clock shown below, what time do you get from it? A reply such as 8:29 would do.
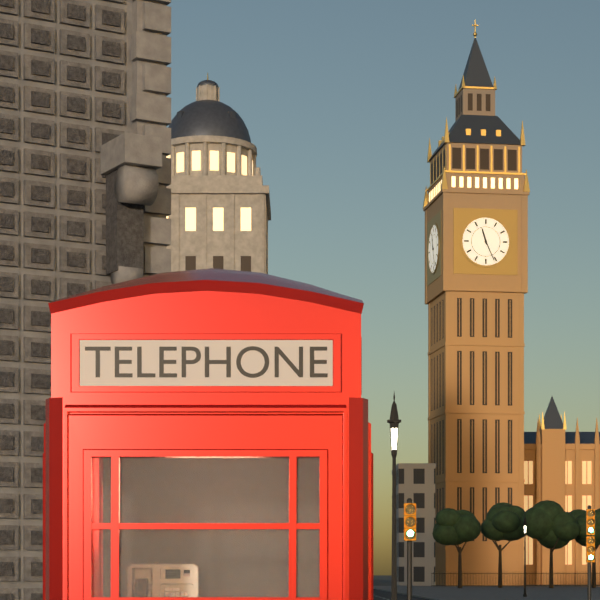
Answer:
11:26
